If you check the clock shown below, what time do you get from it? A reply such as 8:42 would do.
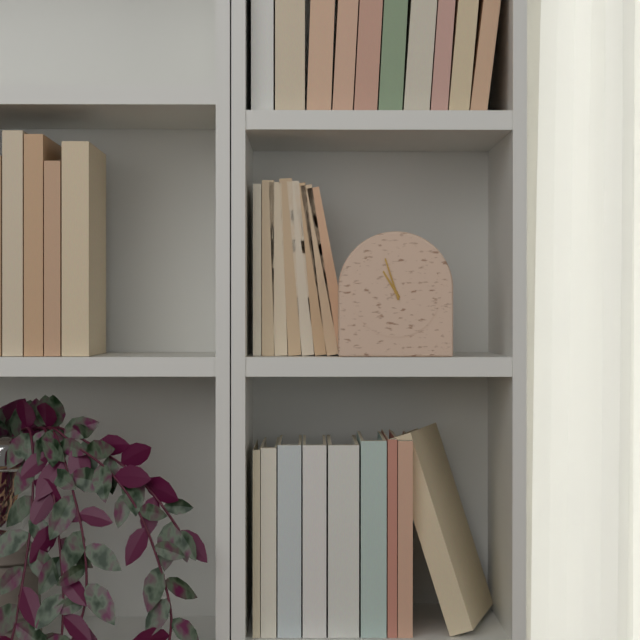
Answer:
10:57
